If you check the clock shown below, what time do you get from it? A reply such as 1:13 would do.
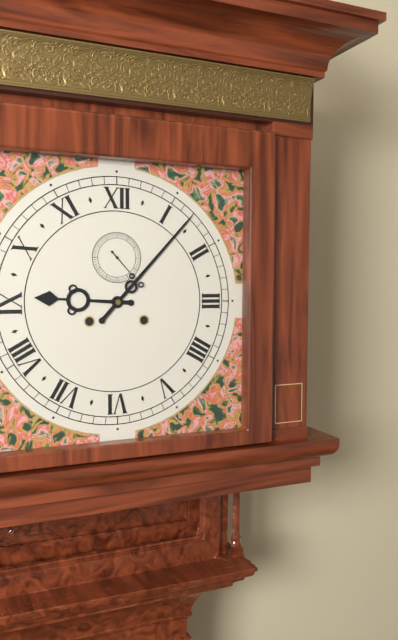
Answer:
9:07
